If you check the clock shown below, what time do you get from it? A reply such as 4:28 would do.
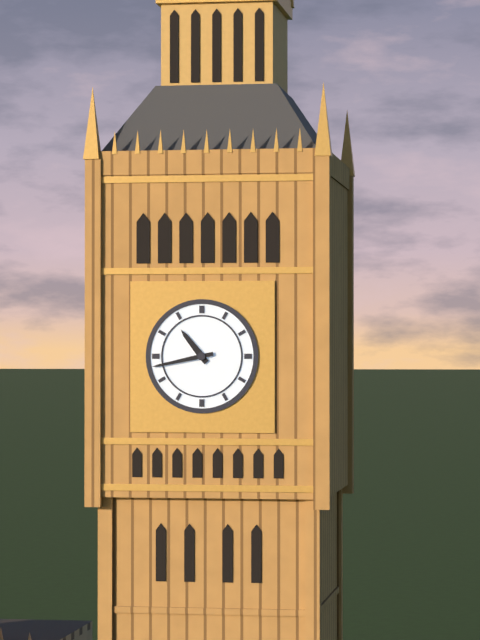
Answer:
10:43
